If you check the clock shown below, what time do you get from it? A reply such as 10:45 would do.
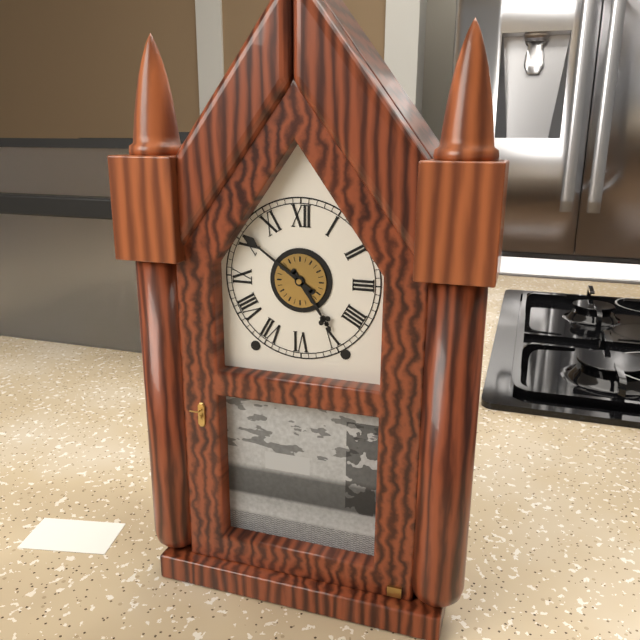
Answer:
4:51
